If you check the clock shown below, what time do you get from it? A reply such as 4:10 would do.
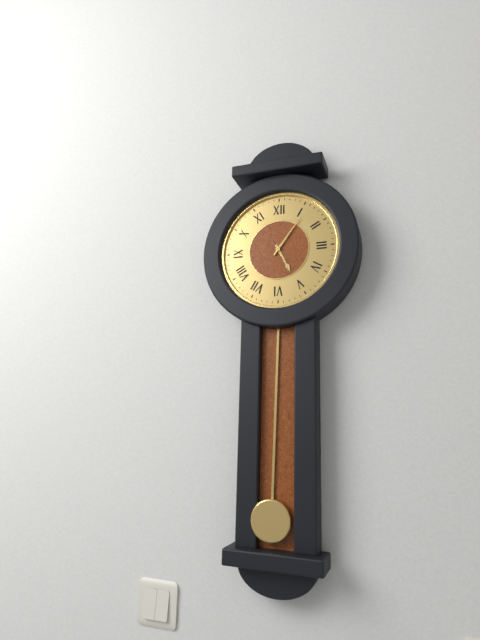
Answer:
5:06
